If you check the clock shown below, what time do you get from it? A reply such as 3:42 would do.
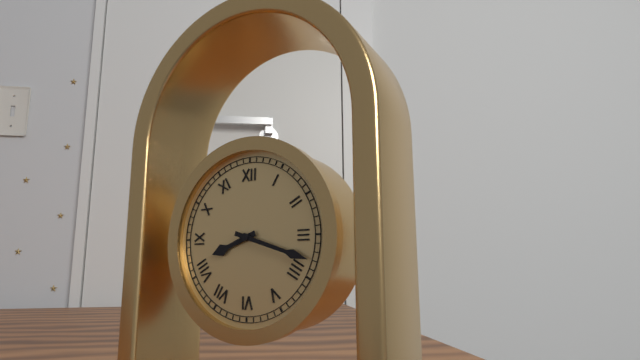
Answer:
8:18
